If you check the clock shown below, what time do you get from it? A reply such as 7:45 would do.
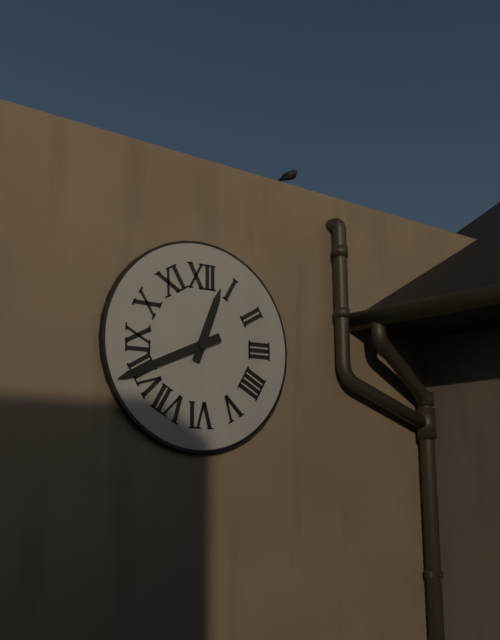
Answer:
12:41
